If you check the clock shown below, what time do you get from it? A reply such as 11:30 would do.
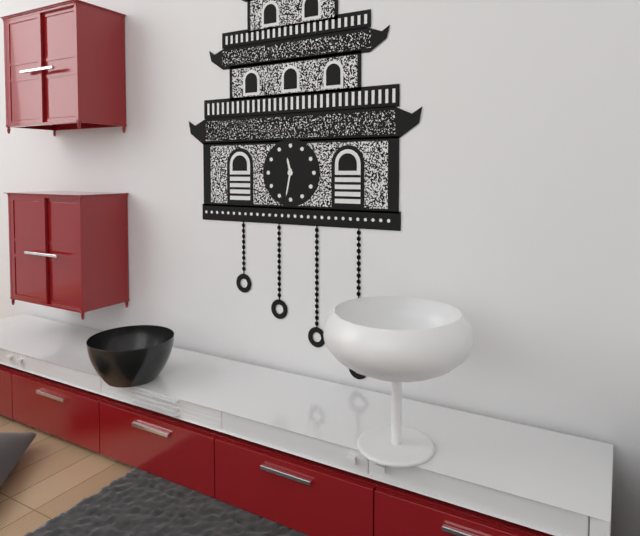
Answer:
11:32
